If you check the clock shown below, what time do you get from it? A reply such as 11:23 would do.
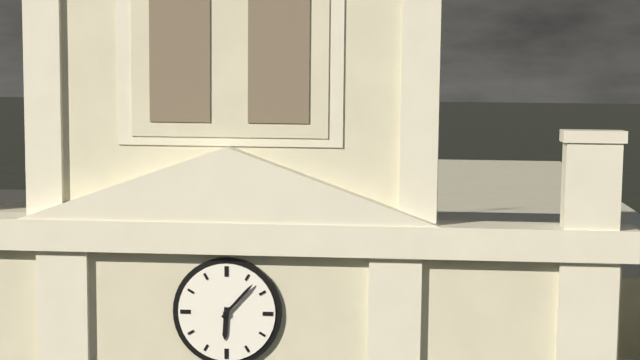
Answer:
6:07
